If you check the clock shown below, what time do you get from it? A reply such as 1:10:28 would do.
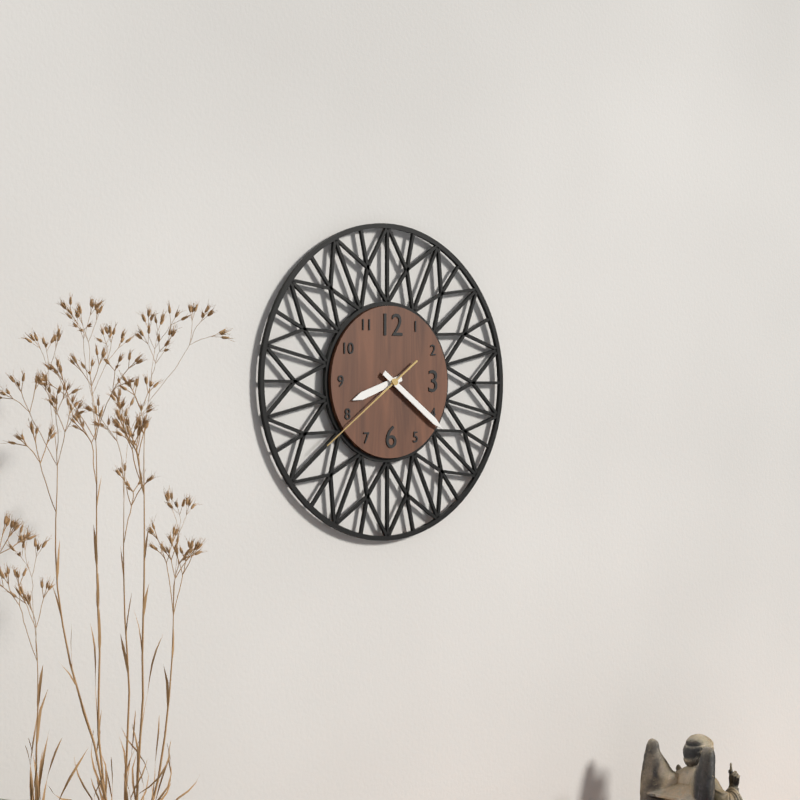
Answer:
8:21:39
